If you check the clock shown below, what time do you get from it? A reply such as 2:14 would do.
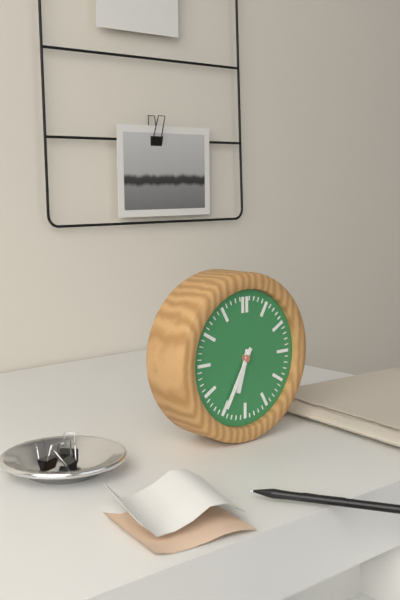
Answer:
6:35
